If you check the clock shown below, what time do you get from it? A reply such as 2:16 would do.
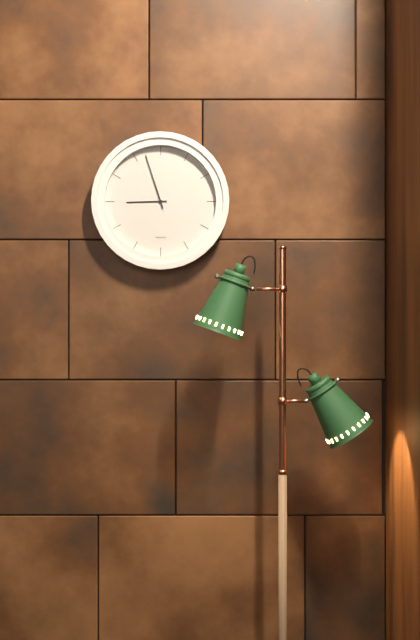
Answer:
8:57
